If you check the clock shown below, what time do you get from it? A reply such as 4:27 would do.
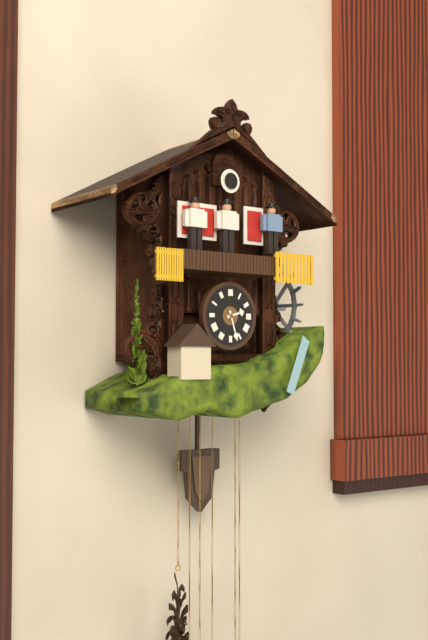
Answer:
2:27
